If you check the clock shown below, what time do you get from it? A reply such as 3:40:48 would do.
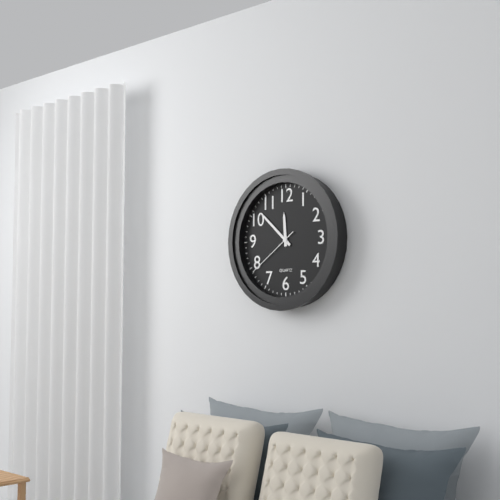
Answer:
11:52:39
